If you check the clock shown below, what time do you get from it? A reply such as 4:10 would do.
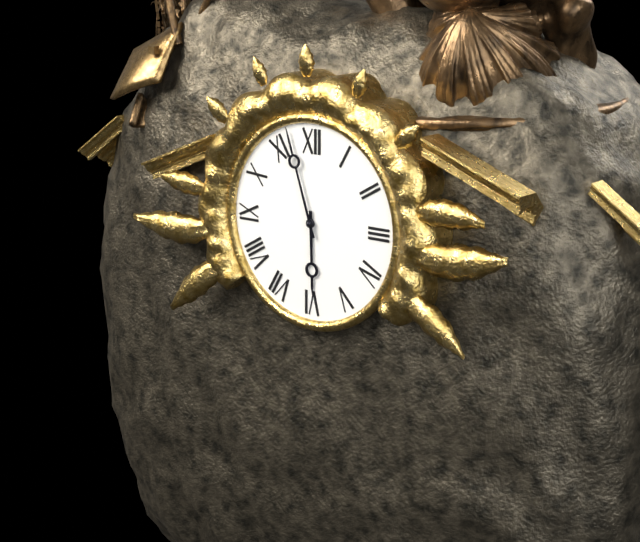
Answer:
5:57
